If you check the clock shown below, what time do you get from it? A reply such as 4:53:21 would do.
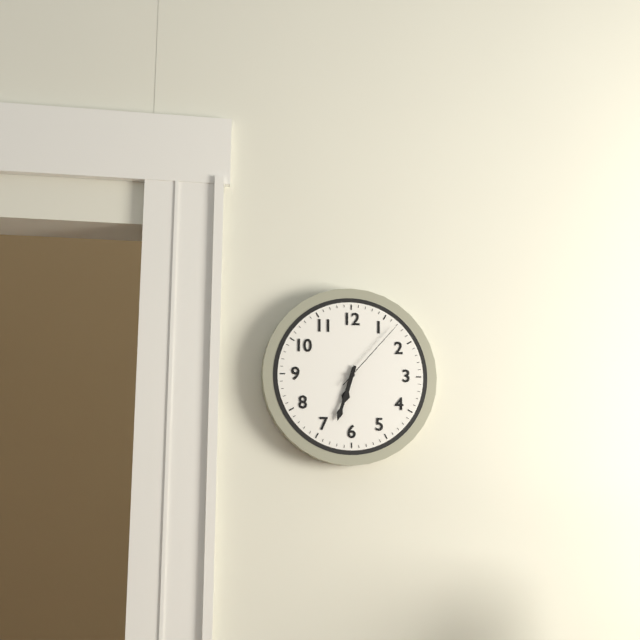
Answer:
6:33:07
